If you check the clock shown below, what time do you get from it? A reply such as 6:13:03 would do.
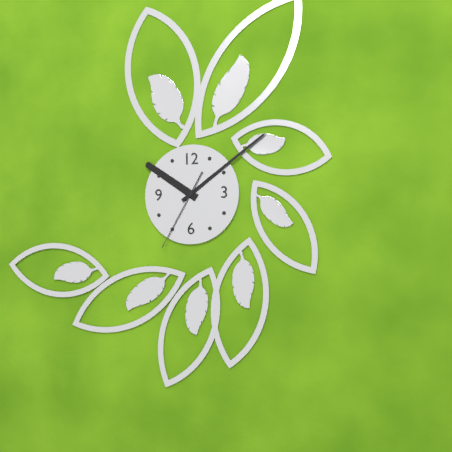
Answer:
10:09:35
